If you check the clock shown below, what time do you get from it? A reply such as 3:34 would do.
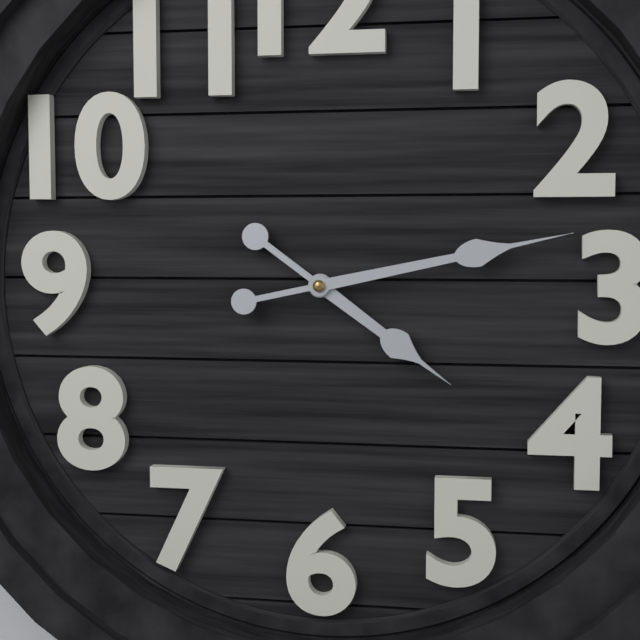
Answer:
4:13
